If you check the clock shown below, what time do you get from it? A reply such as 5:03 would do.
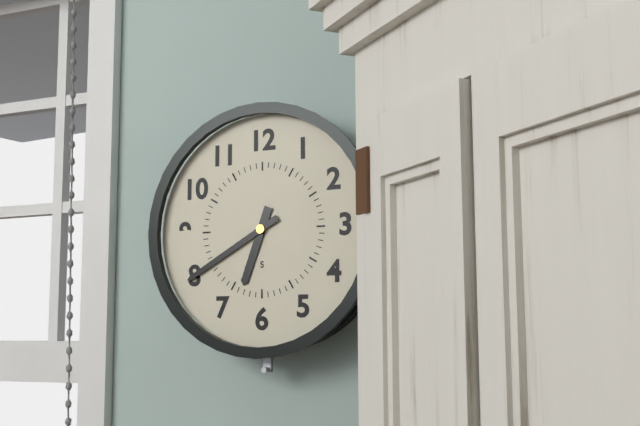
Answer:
6:40
